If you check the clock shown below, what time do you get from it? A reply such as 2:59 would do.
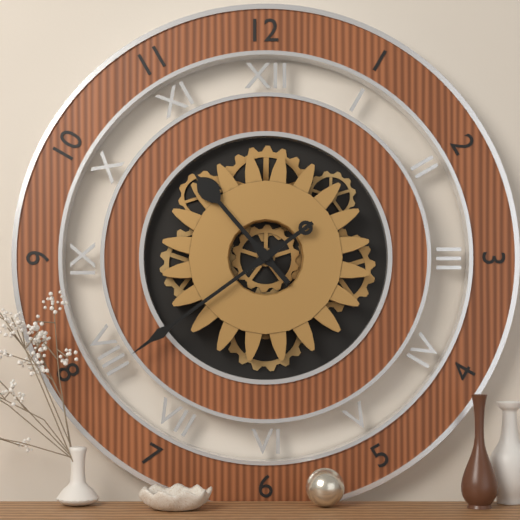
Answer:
10:39
